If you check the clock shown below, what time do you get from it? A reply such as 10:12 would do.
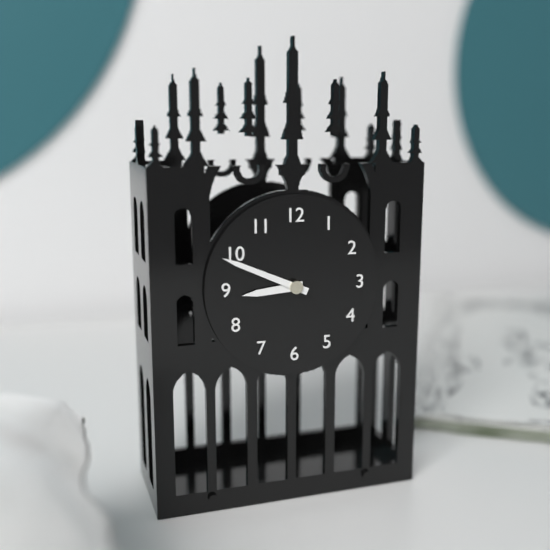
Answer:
8:49
